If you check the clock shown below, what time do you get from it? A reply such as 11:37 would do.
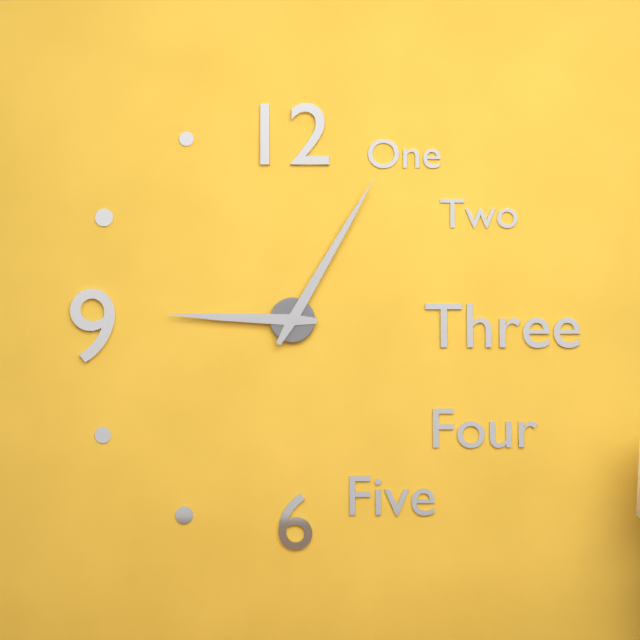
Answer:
9:05
